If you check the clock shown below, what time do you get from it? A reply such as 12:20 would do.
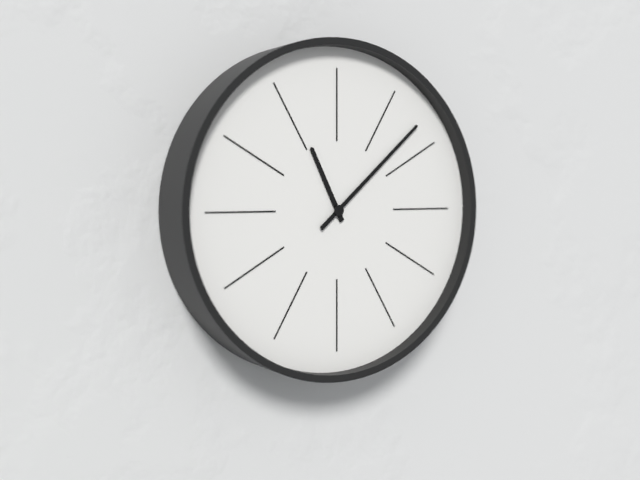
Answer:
11:08
